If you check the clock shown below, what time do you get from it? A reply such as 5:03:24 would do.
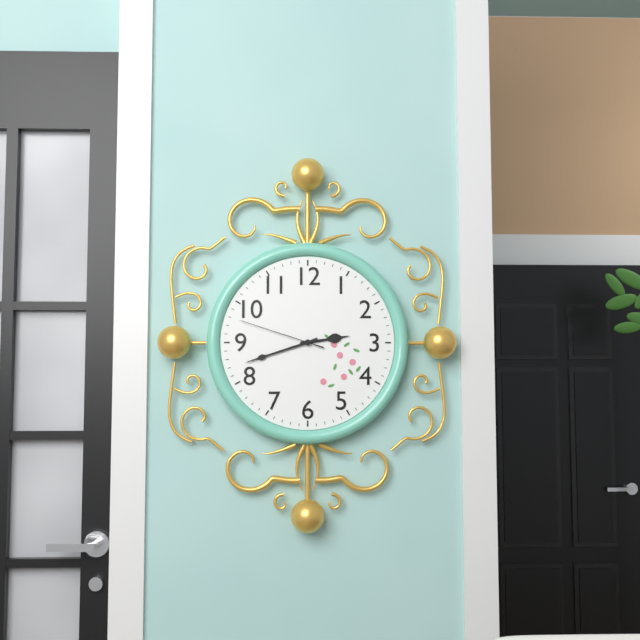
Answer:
2:42:48
